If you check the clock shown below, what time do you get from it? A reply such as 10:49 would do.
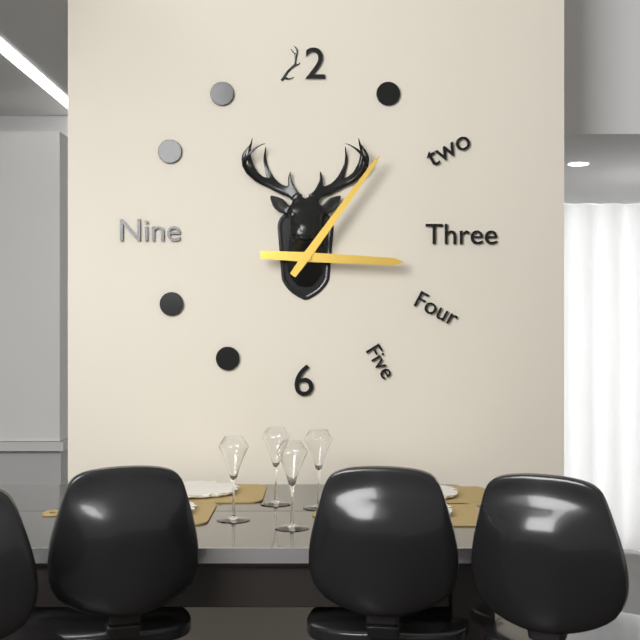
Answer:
3:06
